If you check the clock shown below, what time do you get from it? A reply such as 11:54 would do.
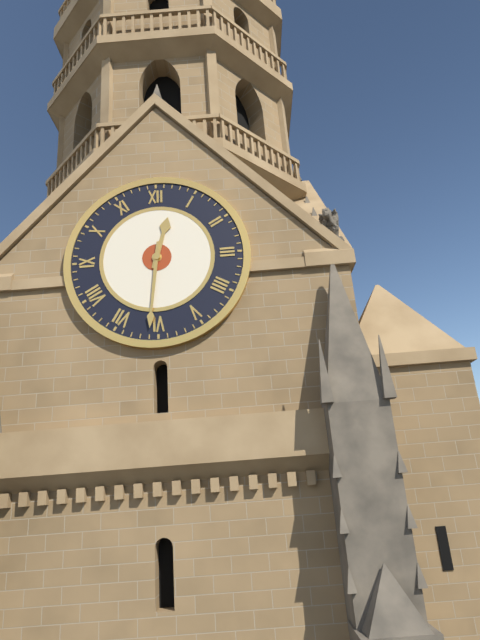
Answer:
12:31
